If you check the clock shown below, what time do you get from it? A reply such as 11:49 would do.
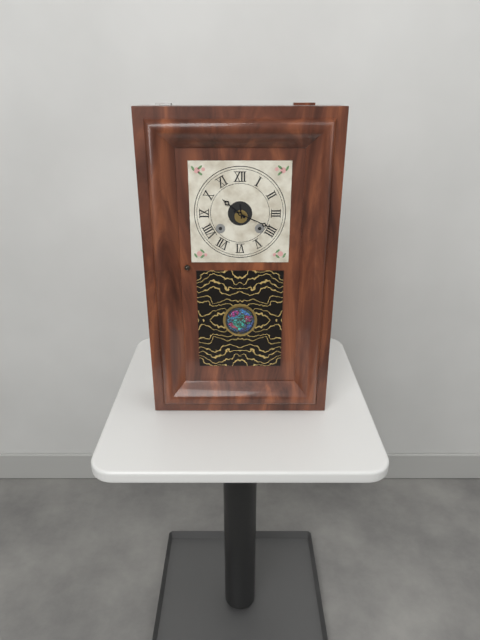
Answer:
10:19
